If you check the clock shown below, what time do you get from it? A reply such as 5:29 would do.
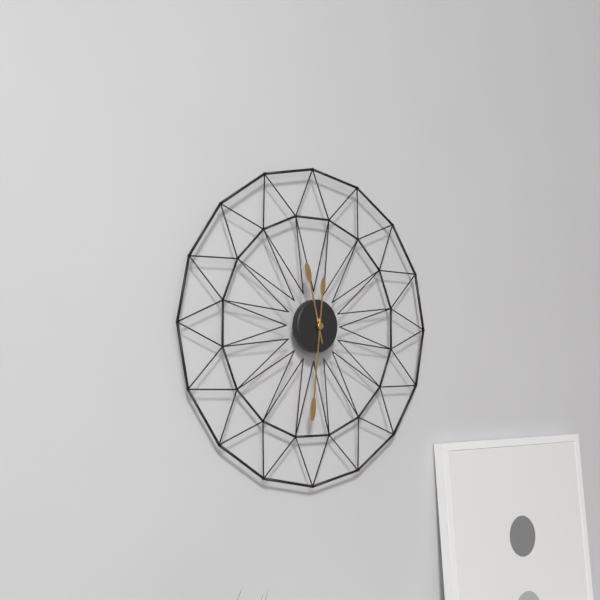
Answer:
11:31
